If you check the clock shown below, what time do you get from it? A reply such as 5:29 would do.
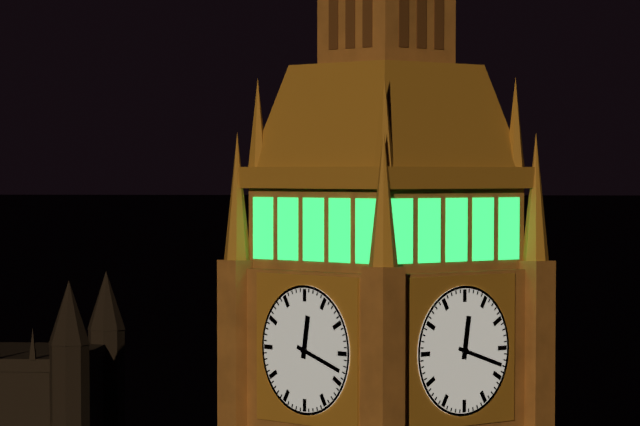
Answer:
12:18
